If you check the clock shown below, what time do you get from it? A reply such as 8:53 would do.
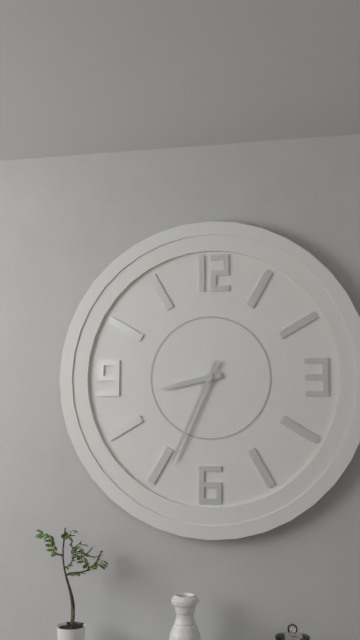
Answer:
8:34
